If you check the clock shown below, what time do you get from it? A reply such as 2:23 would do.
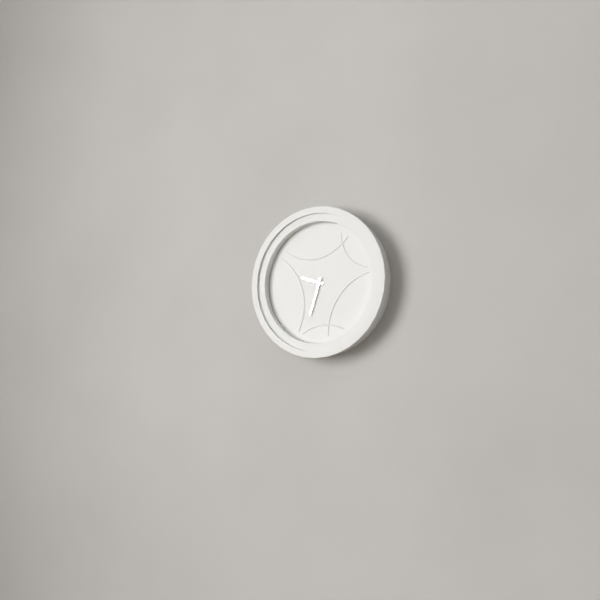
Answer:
9:33
